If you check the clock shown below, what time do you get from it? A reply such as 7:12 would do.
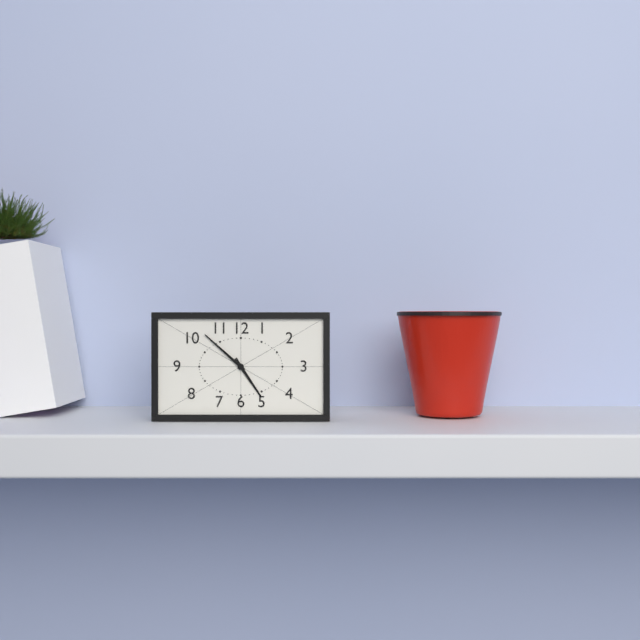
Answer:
4:52
